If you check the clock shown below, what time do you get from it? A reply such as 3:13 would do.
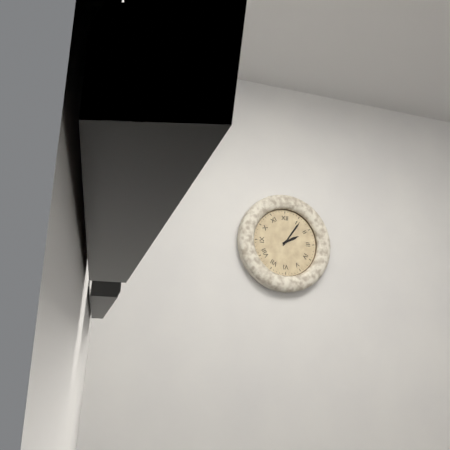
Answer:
2:06
